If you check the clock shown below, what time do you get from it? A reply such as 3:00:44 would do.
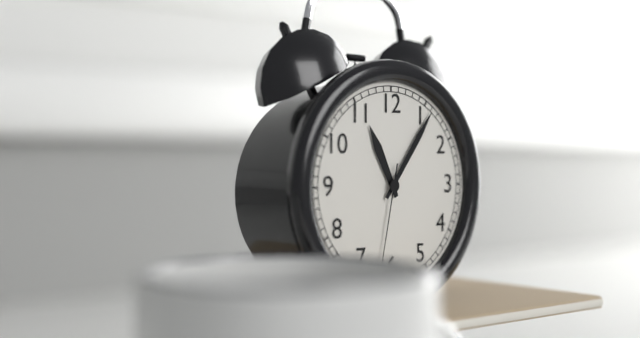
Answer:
11:06:32
